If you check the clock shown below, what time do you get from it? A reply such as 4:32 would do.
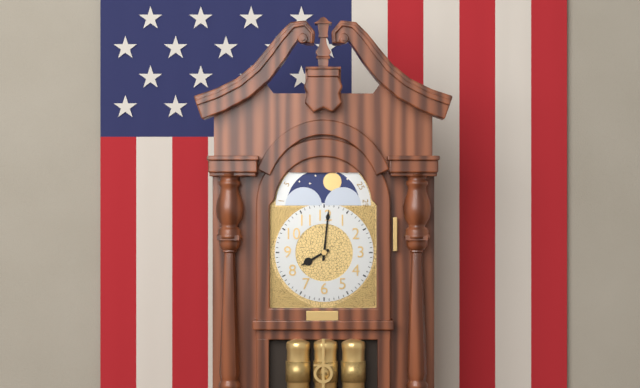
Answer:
8:01
